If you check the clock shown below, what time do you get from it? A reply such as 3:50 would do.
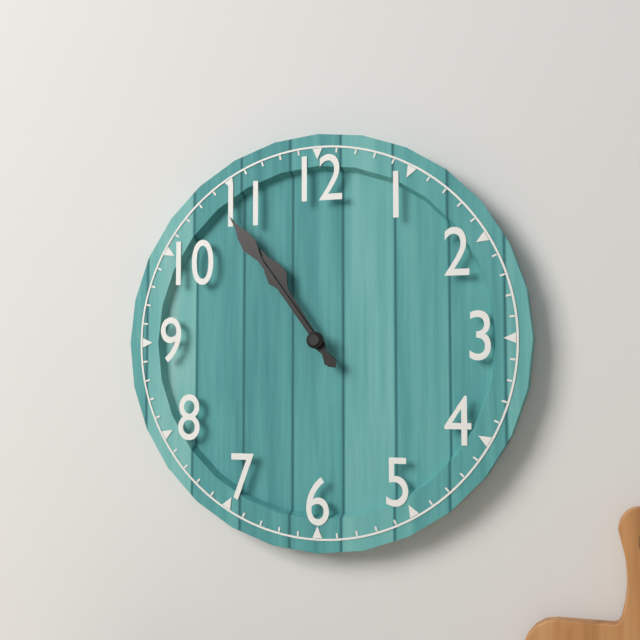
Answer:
10:54
